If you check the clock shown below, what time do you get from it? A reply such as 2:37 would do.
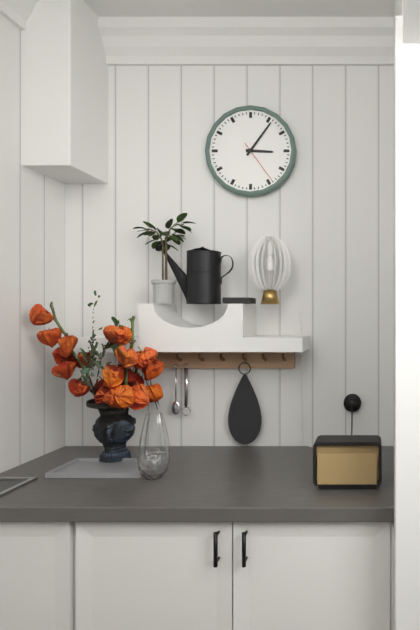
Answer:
3:06
